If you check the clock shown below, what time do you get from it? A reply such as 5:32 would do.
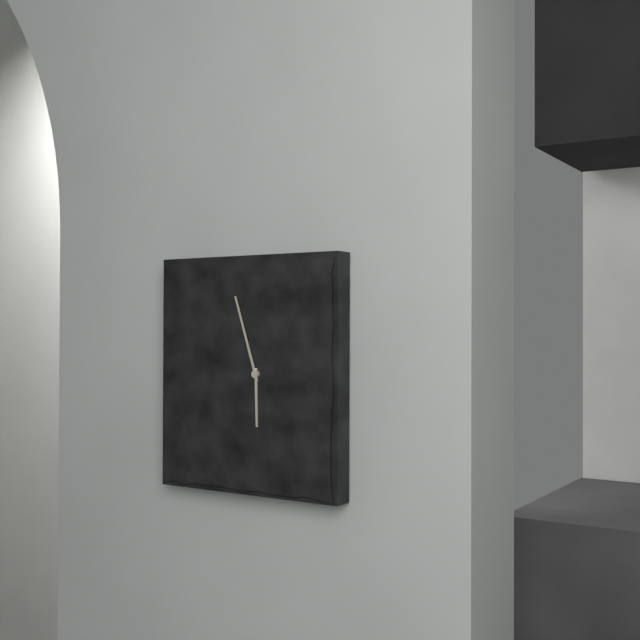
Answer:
5:57
